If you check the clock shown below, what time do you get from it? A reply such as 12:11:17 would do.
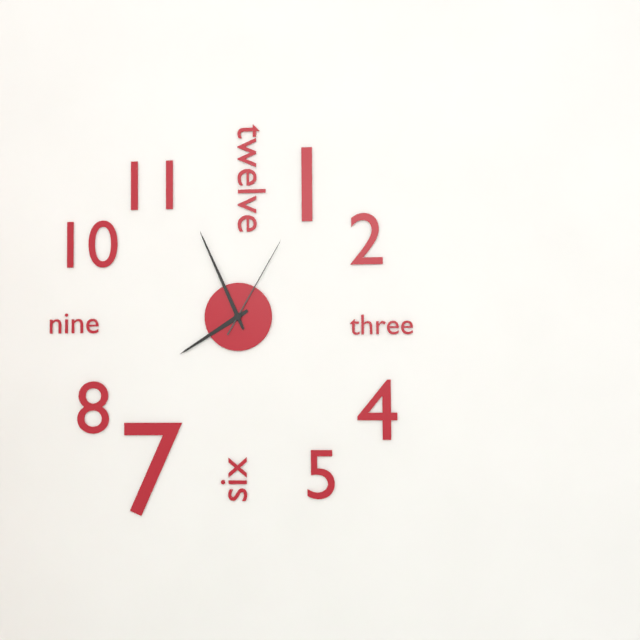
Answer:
7:56:05
